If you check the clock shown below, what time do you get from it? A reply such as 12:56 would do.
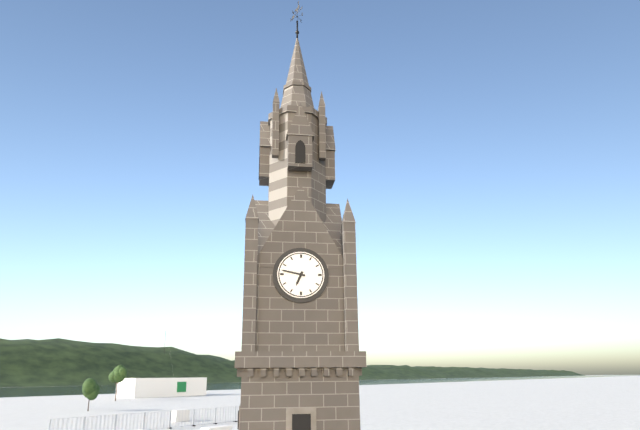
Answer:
6:47
